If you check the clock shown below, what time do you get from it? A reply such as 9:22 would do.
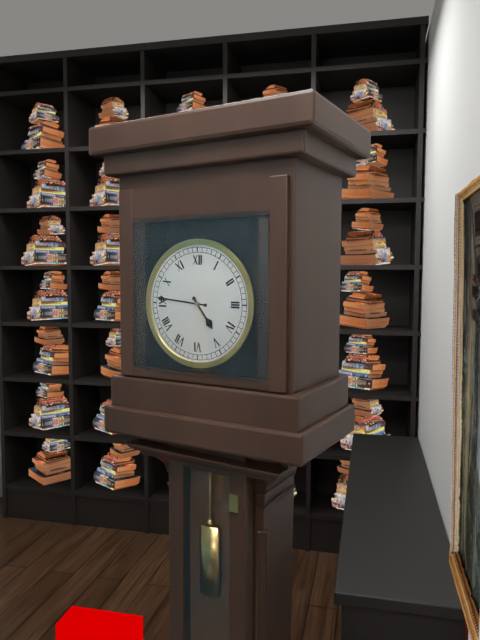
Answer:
4:46
